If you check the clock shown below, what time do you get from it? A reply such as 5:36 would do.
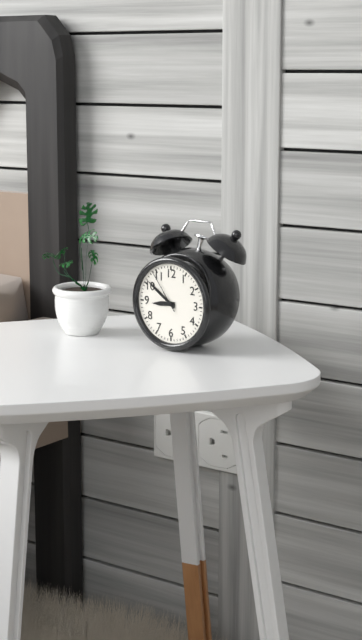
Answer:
8:51
